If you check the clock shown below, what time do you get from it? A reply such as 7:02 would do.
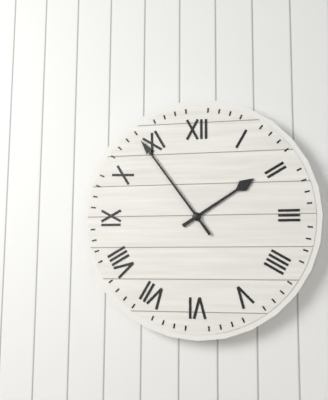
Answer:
1:54
